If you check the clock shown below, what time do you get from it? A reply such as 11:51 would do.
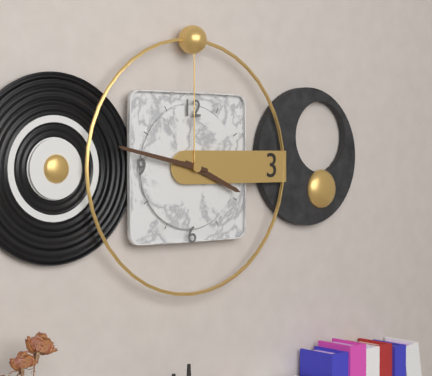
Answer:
3:47
